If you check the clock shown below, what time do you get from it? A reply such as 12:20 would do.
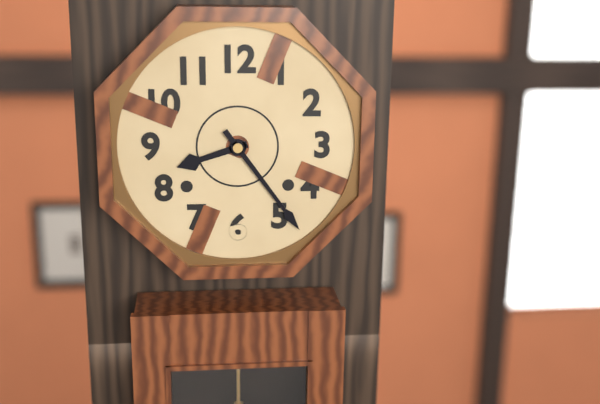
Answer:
8:24
